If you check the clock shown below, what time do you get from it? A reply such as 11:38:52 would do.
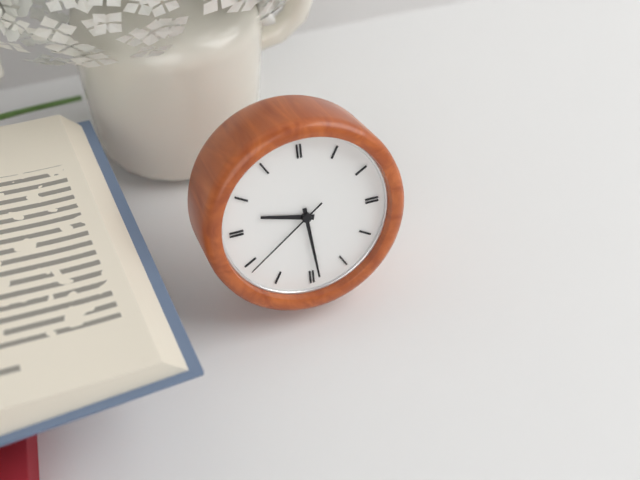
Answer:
9:29:39
